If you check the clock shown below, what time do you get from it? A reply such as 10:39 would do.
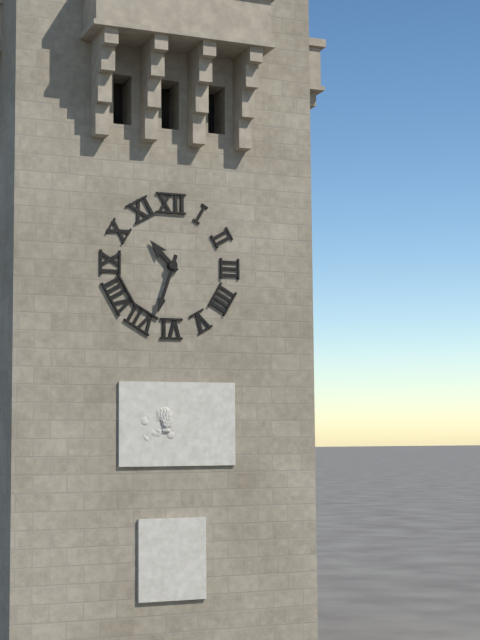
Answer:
10:33
